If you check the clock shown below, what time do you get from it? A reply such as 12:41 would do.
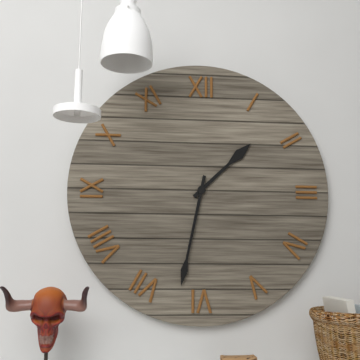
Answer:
1:32
